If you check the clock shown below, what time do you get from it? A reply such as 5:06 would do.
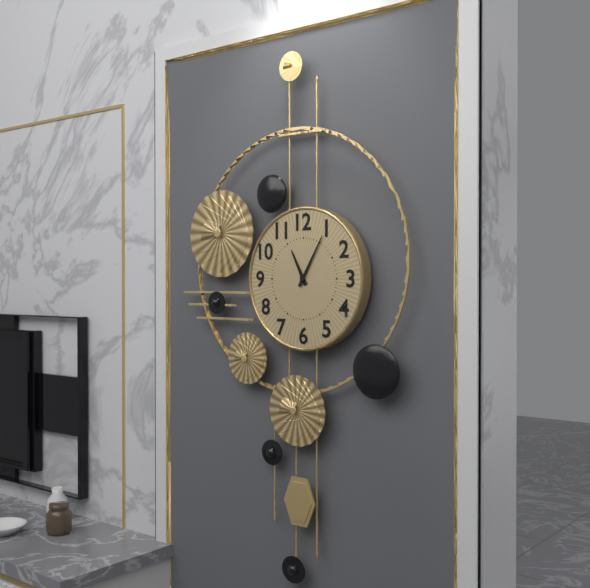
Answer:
11:05
